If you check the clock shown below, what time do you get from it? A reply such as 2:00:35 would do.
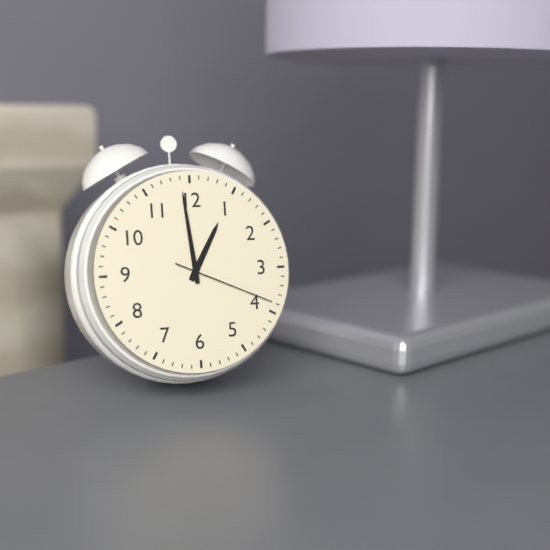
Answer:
12:59:19
